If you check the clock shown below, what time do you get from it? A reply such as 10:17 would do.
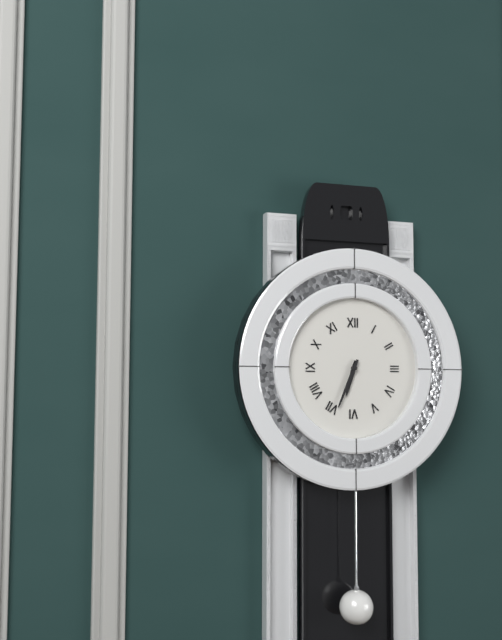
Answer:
6:34
